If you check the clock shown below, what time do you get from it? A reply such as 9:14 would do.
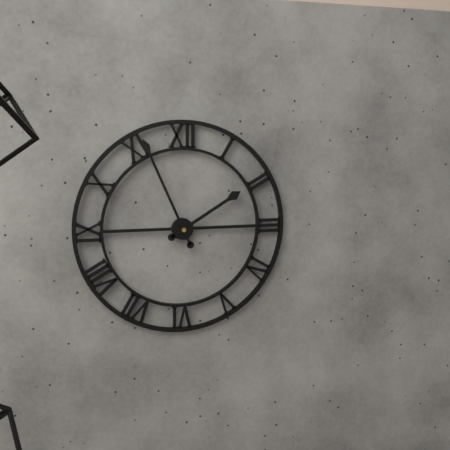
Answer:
1:56
